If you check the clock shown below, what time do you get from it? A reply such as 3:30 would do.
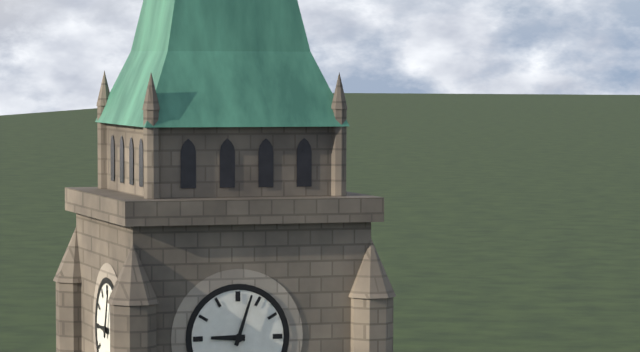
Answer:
9:03
